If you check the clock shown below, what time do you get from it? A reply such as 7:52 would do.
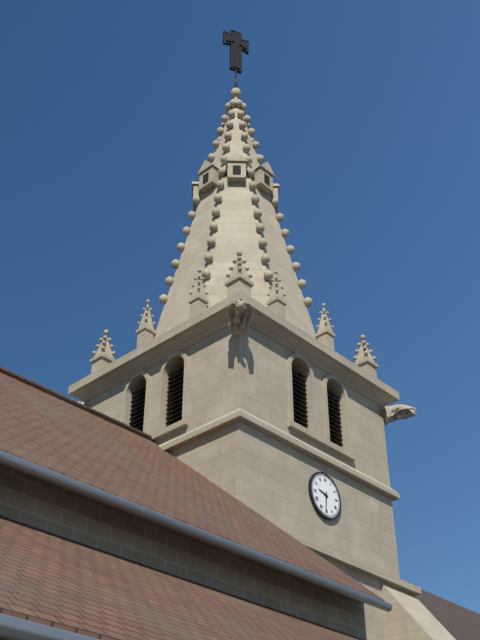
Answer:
9:31
